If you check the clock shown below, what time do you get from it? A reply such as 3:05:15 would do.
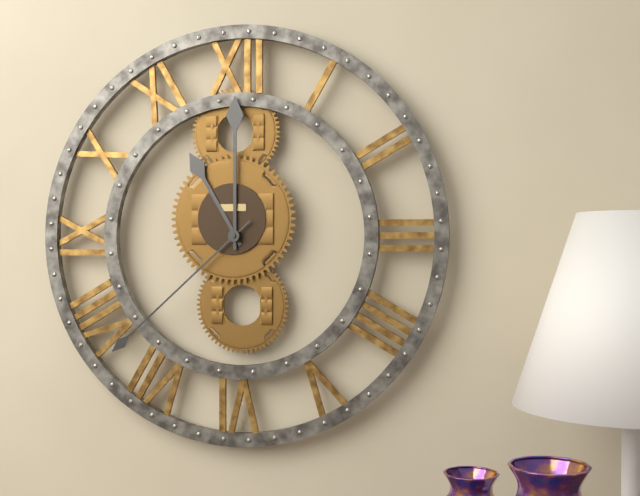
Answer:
11:00:38
